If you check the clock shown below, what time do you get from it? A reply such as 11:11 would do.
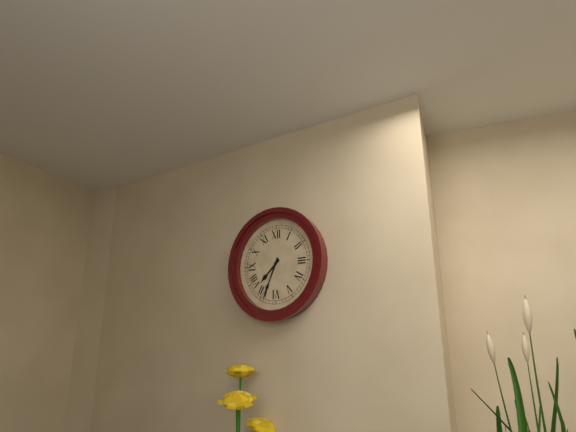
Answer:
7:34
